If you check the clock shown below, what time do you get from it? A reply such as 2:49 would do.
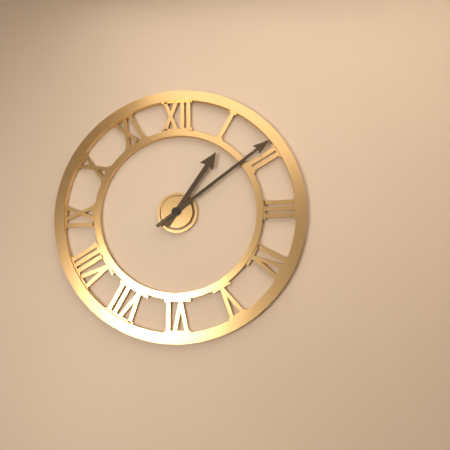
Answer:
1:09
